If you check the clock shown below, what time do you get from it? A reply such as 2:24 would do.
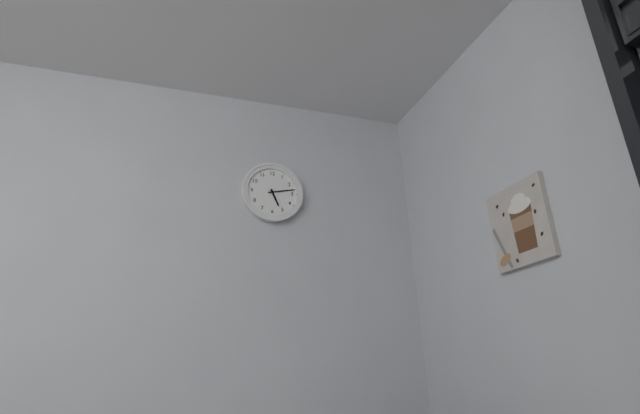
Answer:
5:13
